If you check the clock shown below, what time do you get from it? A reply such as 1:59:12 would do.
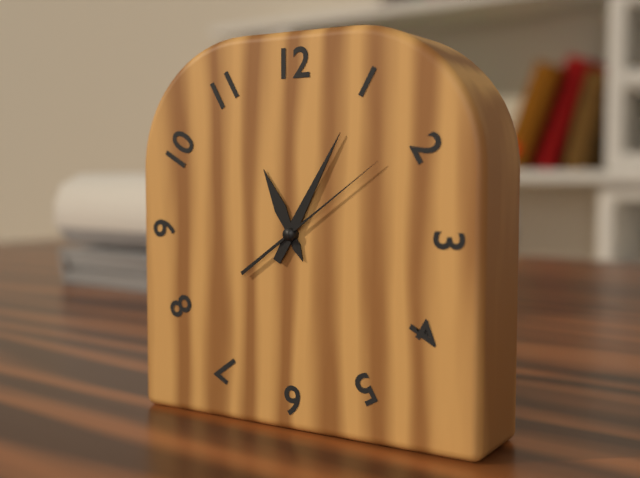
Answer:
11:05:09
